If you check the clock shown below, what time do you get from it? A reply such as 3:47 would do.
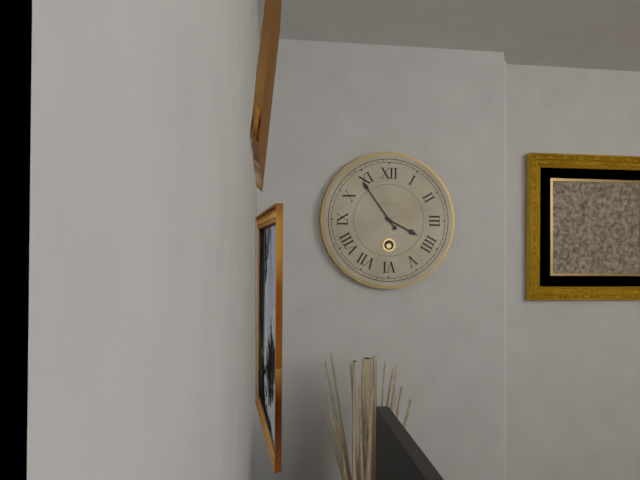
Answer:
3:54
